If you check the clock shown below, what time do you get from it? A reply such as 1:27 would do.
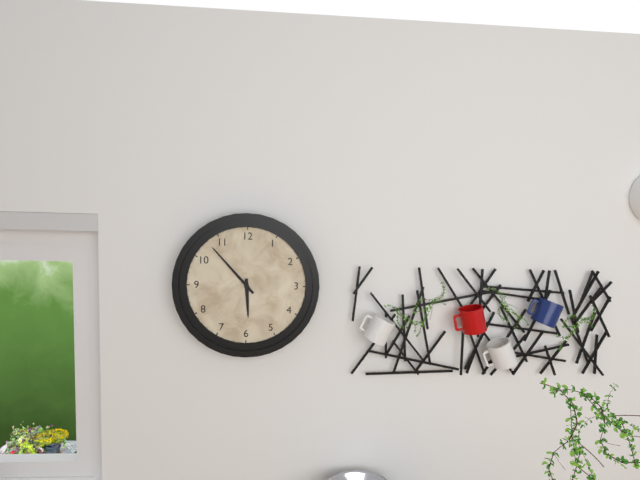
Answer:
5:53
